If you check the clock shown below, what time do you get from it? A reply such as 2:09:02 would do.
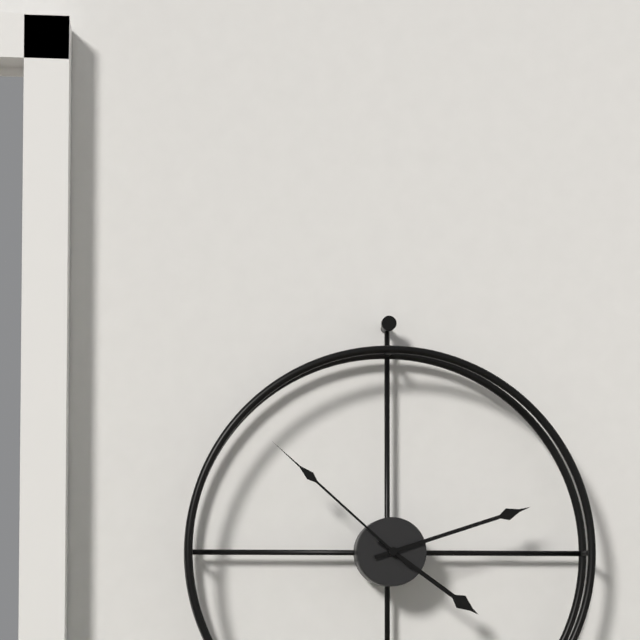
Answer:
4:12:52
